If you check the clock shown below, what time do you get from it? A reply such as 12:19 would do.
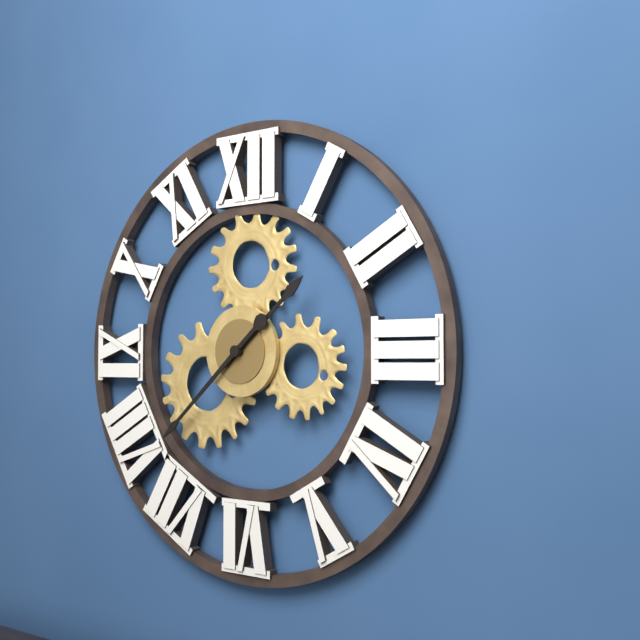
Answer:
1:38
